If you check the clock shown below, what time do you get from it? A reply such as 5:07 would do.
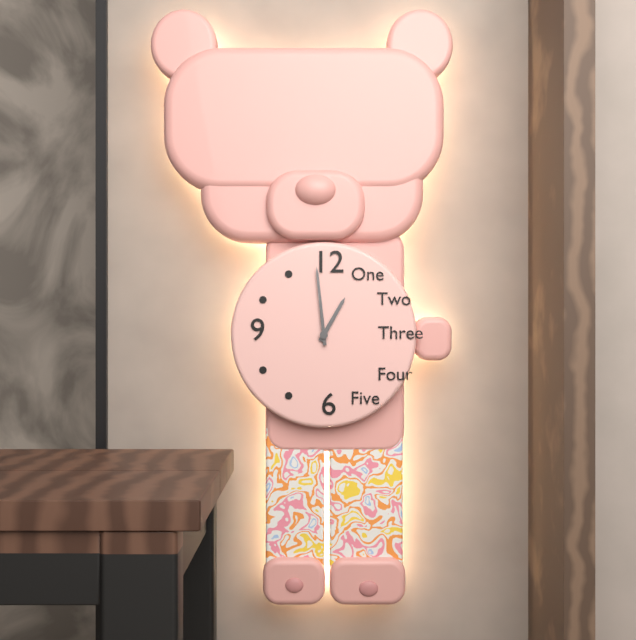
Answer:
12:59
